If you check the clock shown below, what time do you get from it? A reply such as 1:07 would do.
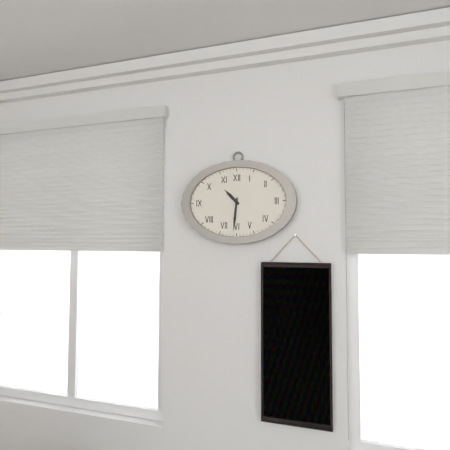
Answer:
10:31
